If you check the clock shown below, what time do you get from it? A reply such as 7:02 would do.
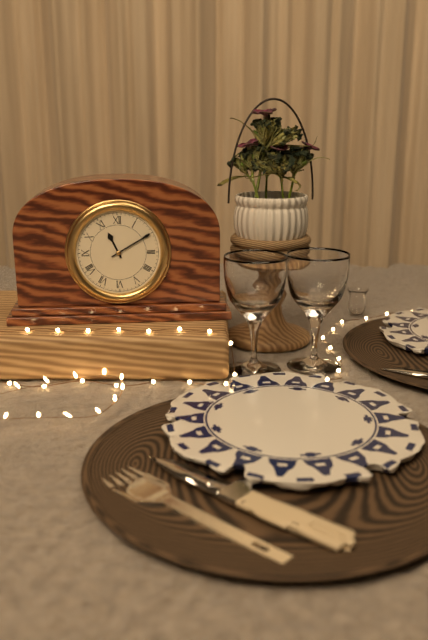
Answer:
11:10
